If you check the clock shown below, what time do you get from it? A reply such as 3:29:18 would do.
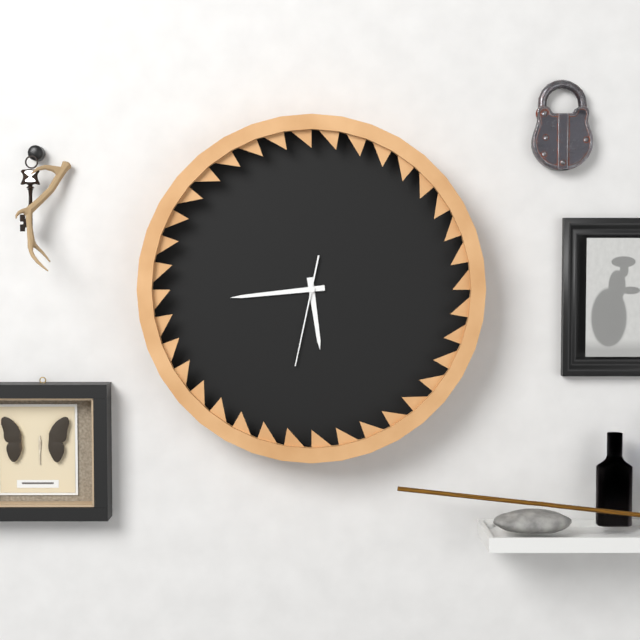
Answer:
5:44:32
